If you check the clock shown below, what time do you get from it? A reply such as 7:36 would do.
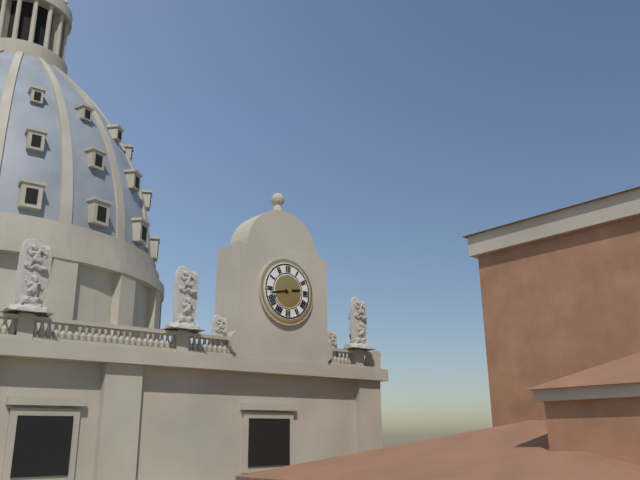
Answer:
2:43
